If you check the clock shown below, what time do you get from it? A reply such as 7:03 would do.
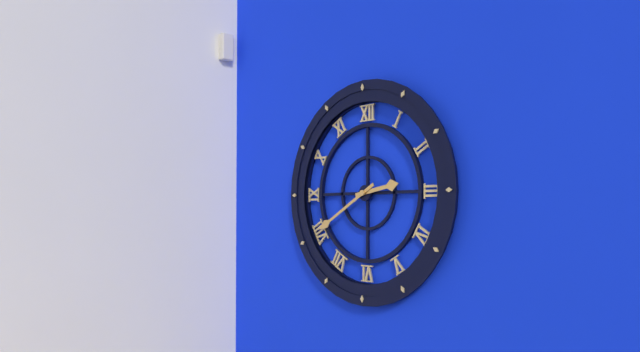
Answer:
2:40
